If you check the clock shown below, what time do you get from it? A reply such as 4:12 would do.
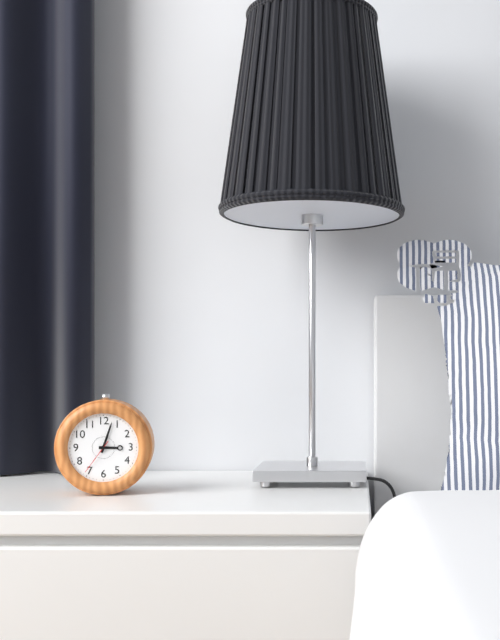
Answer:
3:03
